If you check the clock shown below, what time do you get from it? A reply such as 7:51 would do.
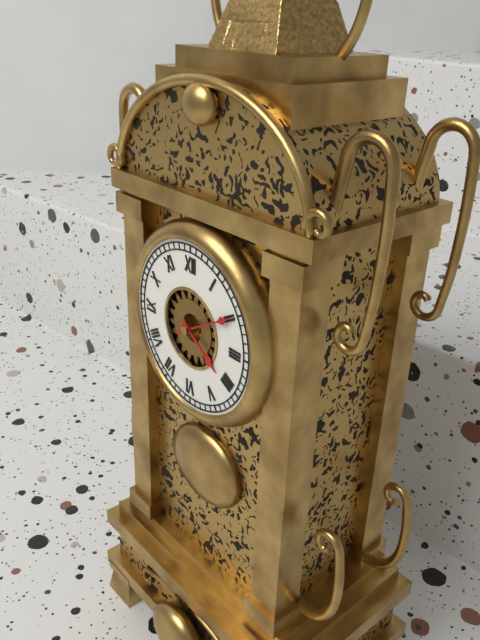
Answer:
4:10
